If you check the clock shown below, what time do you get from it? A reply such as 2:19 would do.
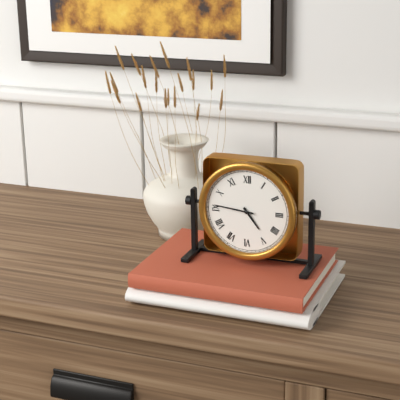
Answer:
4:46
